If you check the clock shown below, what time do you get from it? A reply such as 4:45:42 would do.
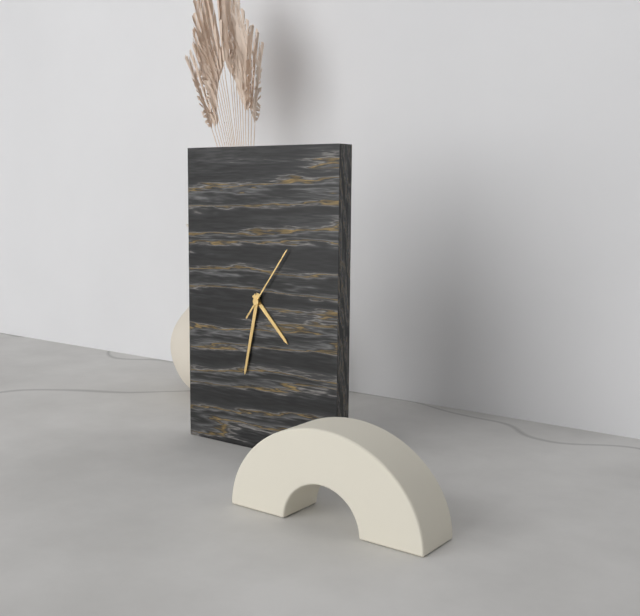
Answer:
4:32:06
